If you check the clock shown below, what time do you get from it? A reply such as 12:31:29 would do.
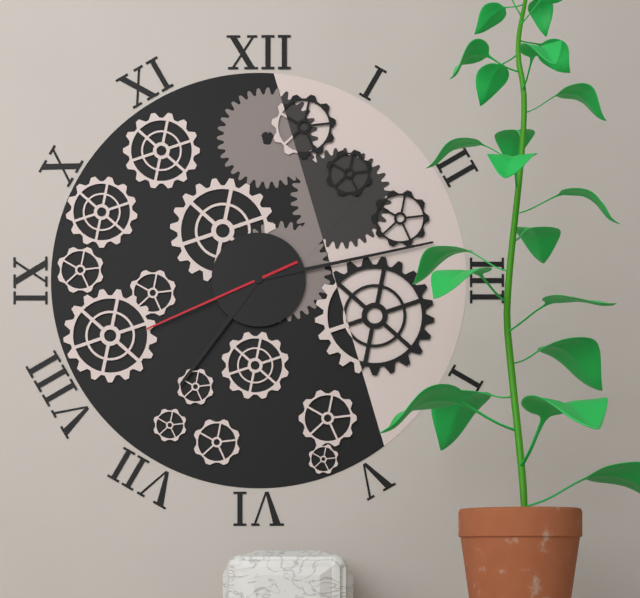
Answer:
7:13:41
